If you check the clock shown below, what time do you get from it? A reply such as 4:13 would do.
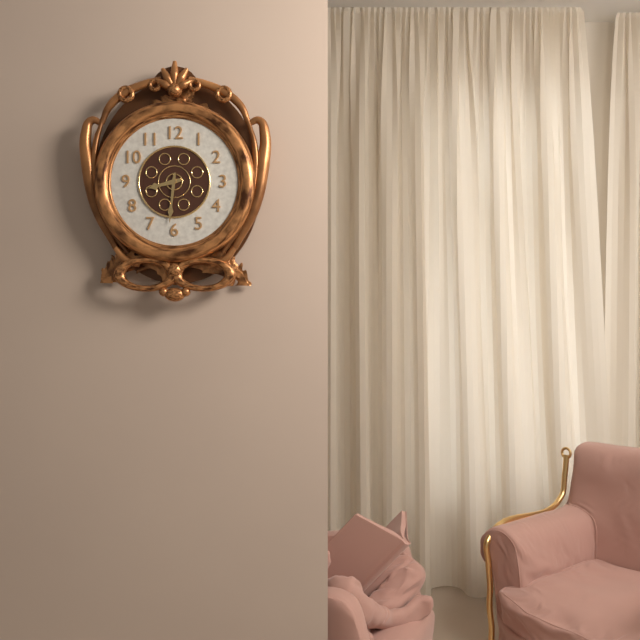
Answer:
8:31
